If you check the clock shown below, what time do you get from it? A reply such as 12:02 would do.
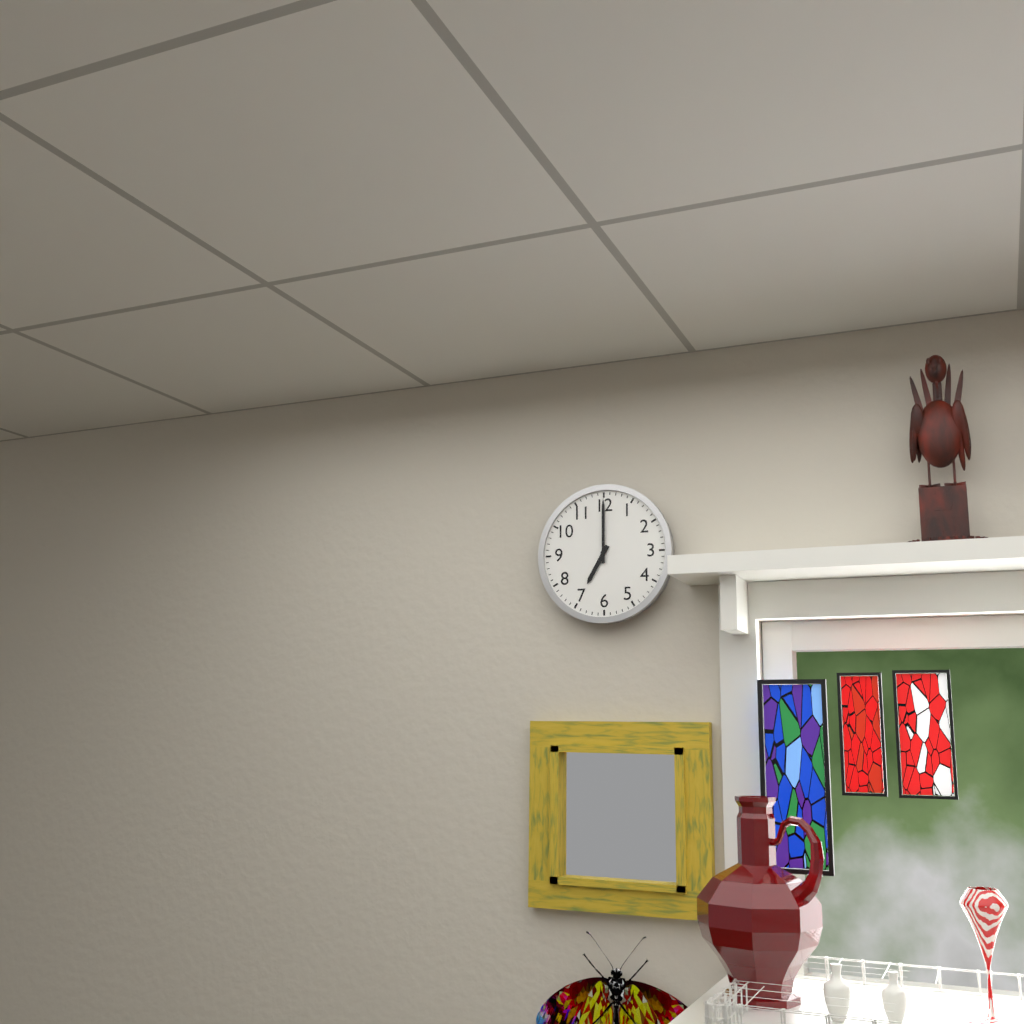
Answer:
7:00
